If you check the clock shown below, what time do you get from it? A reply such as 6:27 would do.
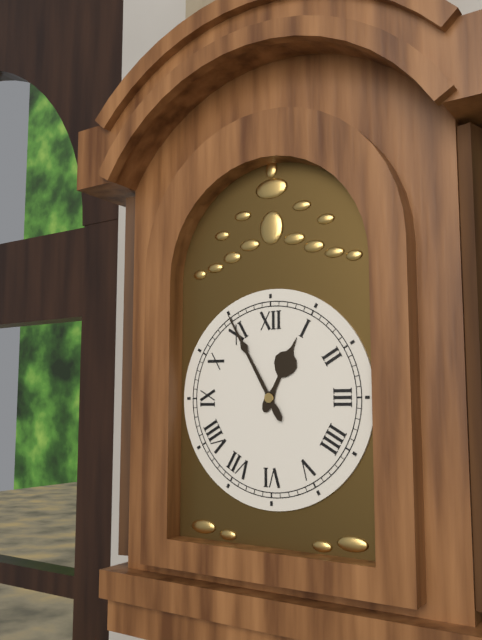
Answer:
12:55
